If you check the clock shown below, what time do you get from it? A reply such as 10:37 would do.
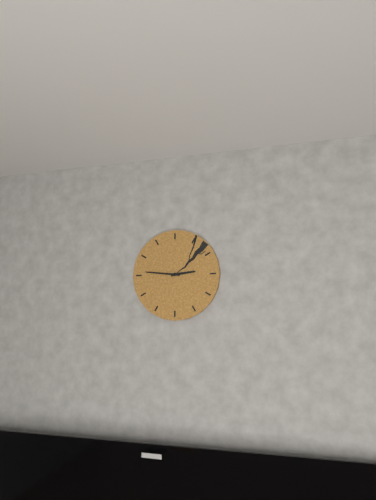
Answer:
2:46
